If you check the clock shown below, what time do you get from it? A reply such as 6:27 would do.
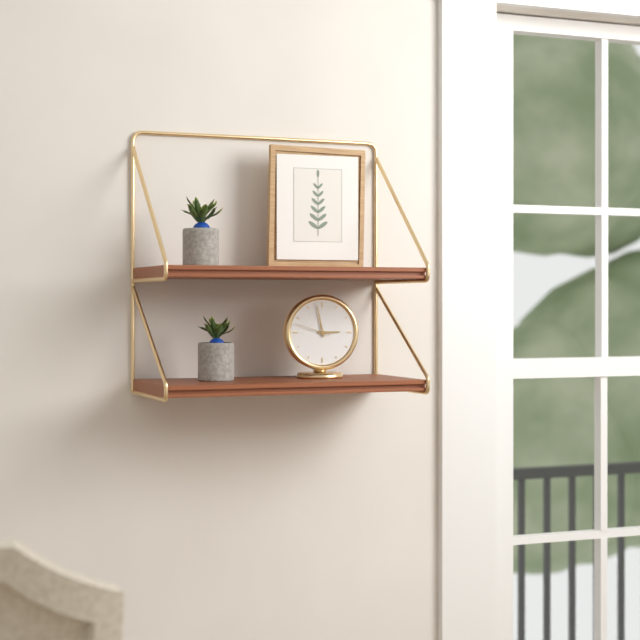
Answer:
2:58
